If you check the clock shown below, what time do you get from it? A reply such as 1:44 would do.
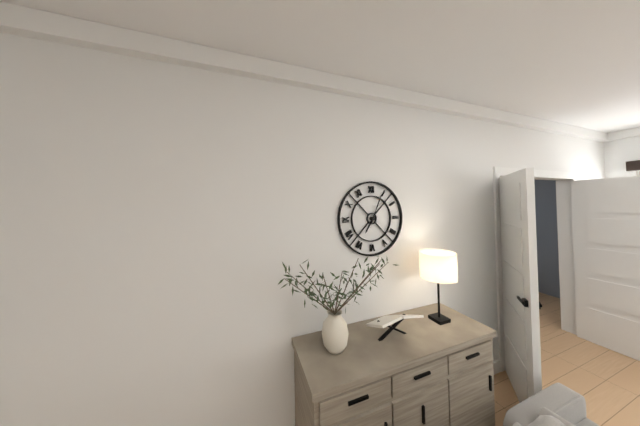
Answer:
7:04
